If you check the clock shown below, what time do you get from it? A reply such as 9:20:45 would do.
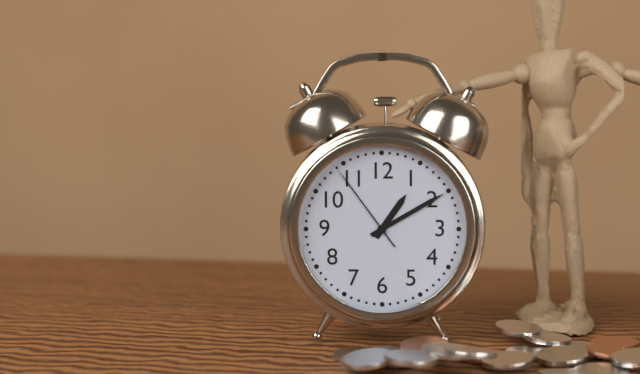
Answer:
1:10:54
